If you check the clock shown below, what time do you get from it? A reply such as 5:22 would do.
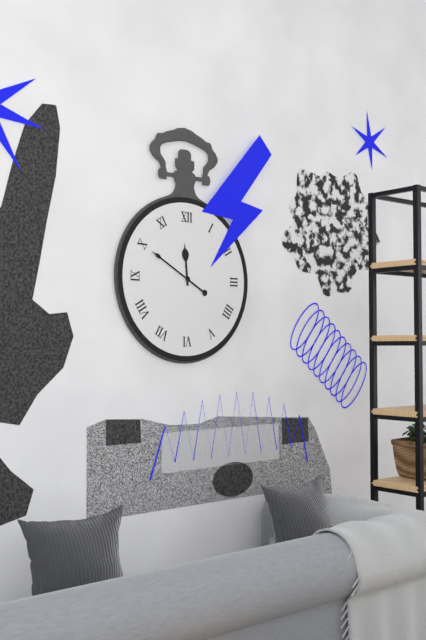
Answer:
11:50
